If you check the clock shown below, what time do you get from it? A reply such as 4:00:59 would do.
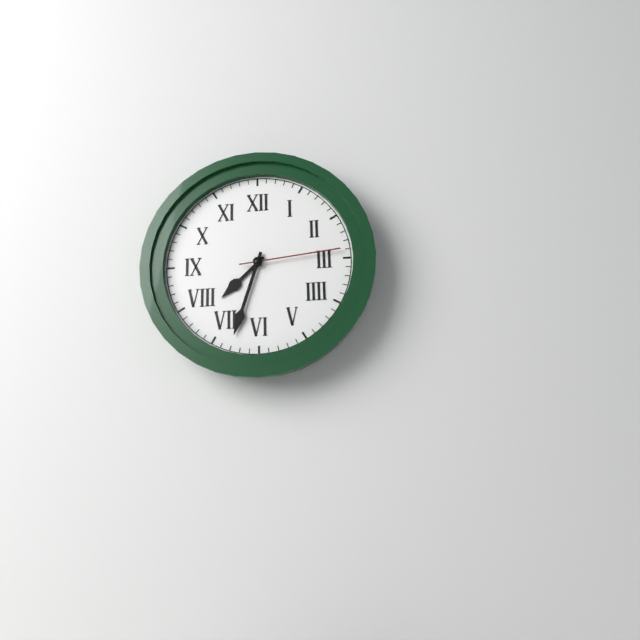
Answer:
7:33:14
